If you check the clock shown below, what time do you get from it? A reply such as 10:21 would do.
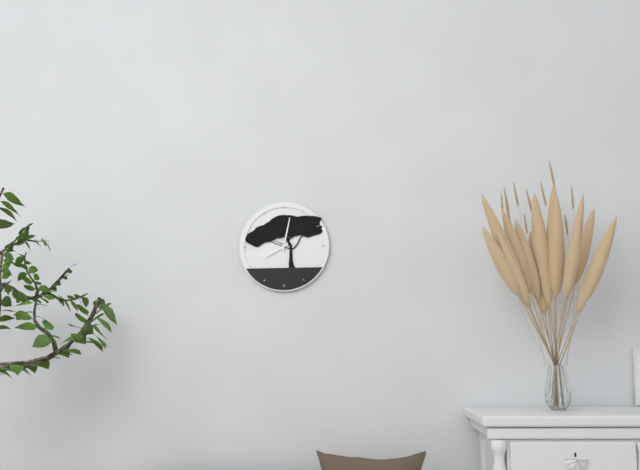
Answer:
8:02
